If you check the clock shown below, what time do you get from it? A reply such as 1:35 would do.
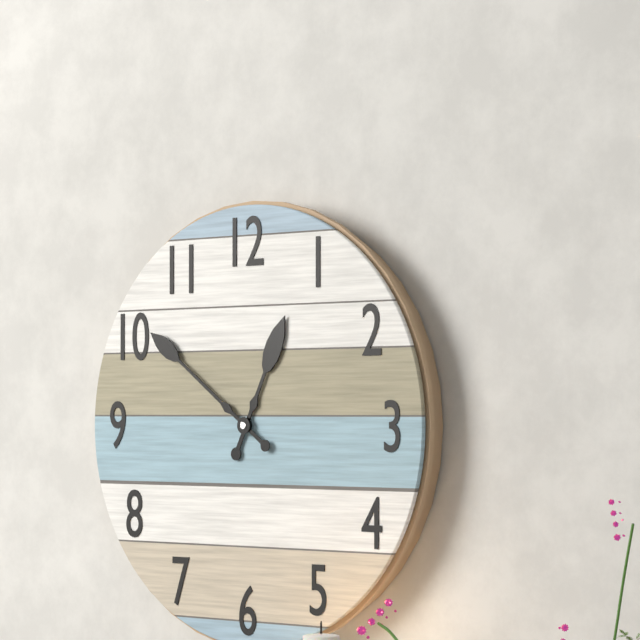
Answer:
12:51
